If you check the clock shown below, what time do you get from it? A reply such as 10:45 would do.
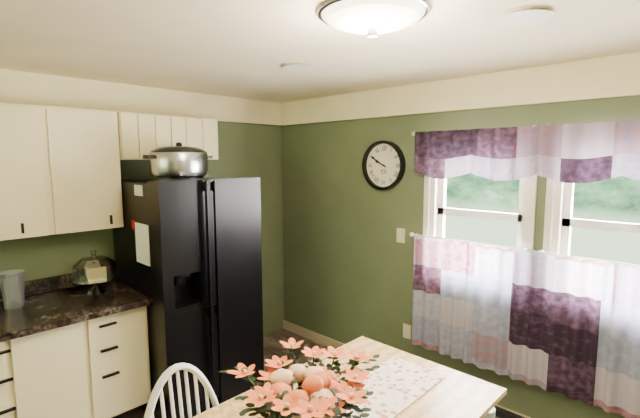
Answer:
9:50
